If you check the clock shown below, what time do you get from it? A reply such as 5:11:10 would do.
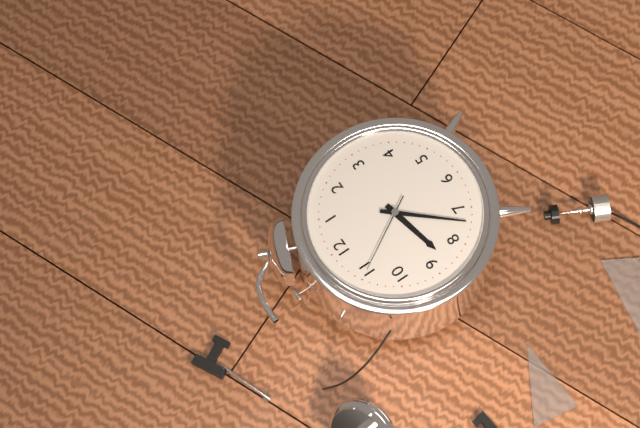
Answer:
8:37:55
